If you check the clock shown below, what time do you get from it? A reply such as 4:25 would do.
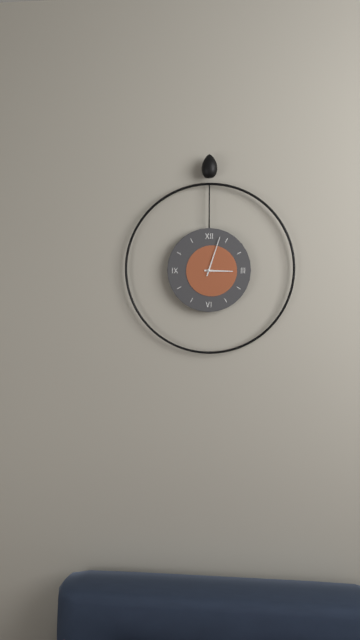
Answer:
3:03
